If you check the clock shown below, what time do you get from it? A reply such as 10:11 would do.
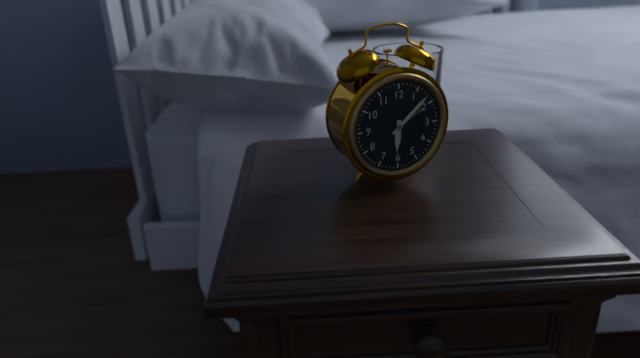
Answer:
6:08
